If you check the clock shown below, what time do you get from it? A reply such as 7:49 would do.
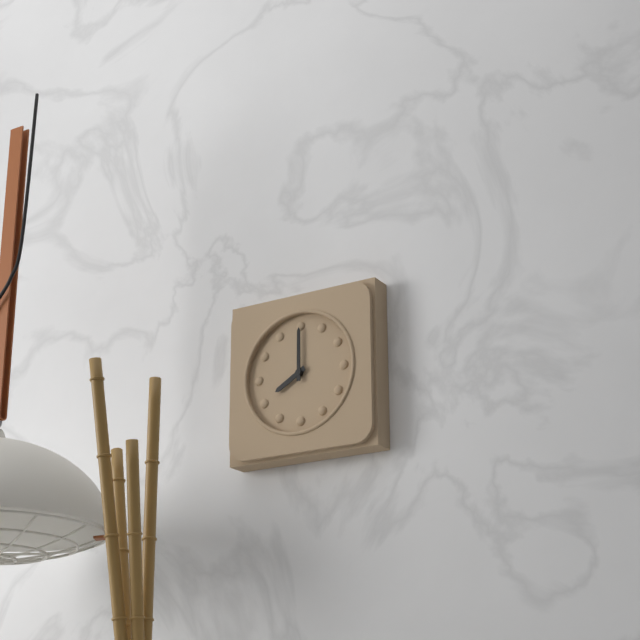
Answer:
8:00
